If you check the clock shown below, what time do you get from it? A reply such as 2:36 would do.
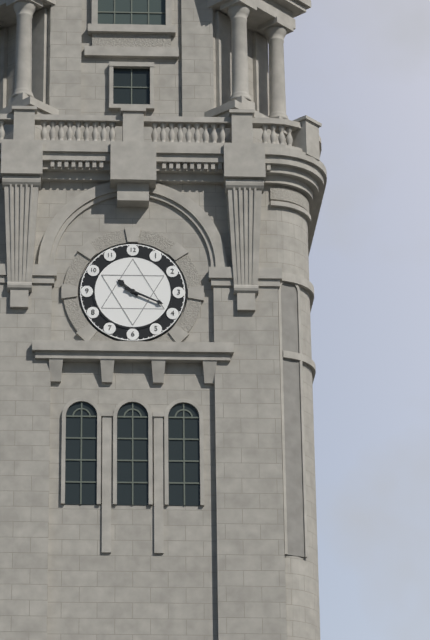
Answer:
10:19
